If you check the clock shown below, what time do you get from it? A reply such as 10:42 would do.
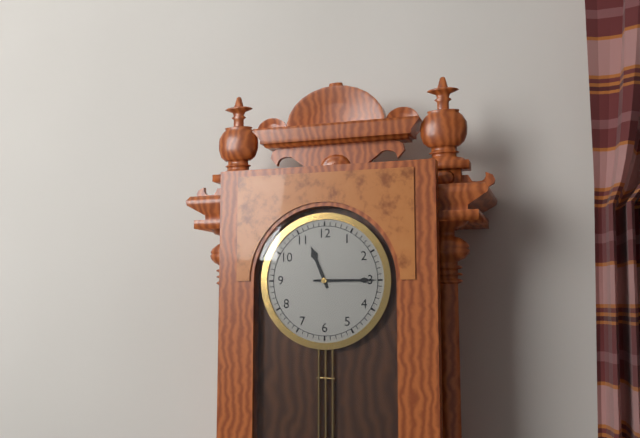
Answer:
11:15
